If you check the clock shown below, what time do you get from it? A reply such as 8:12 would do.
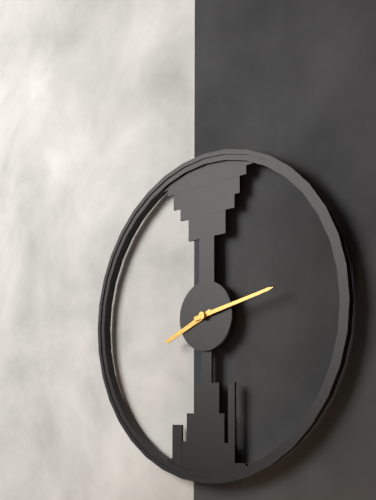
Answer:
8:13
